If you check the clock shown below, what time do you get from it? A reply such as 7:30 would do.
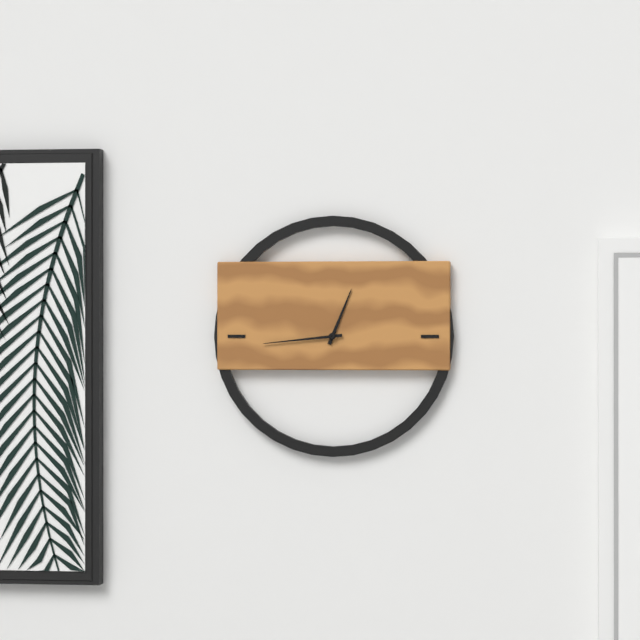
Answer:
12:44
